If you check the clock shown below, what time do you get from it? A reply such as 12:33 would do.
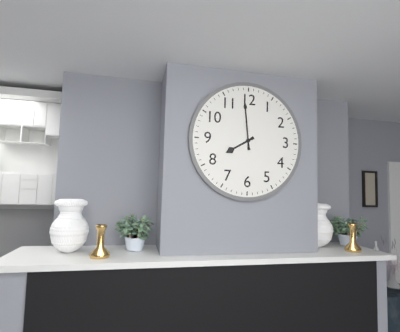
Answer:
7:59
